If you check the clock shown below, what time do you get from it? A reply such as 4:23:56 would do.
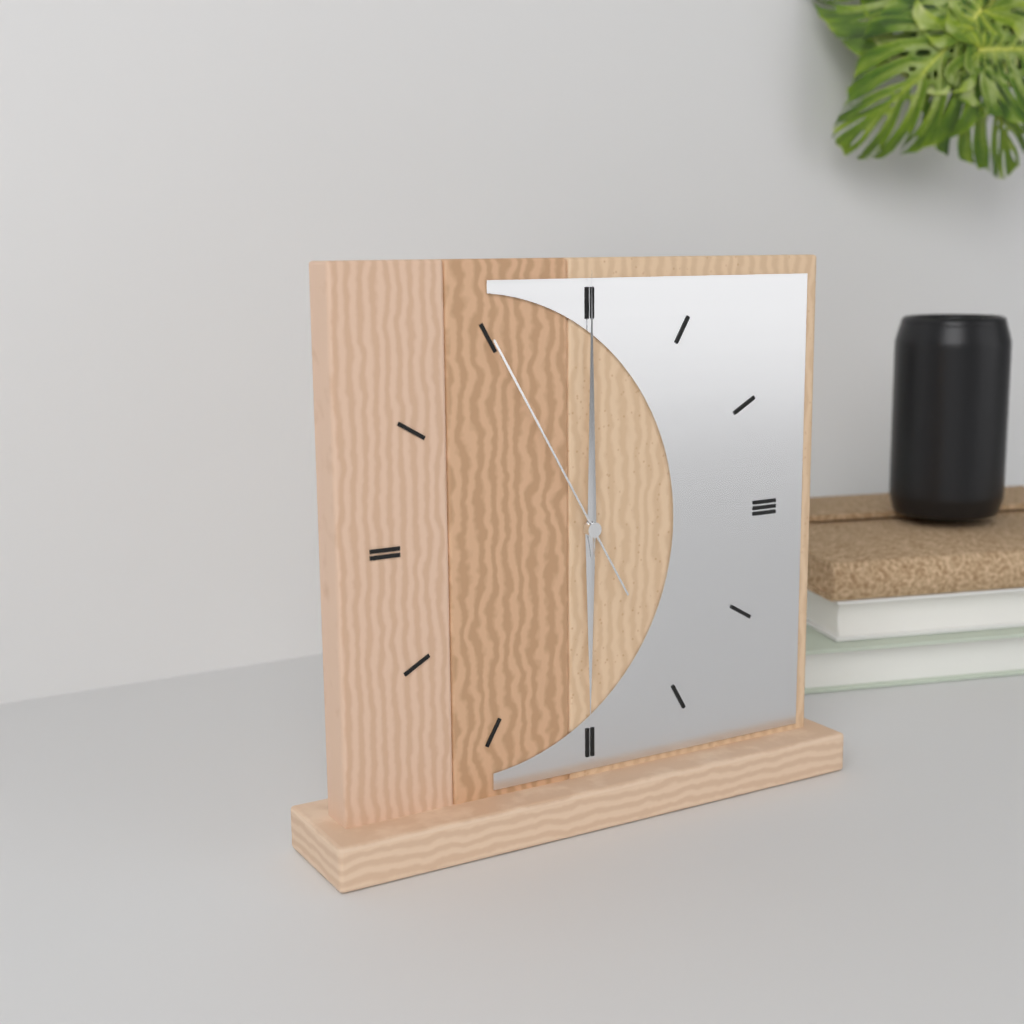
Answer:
6:00:55
